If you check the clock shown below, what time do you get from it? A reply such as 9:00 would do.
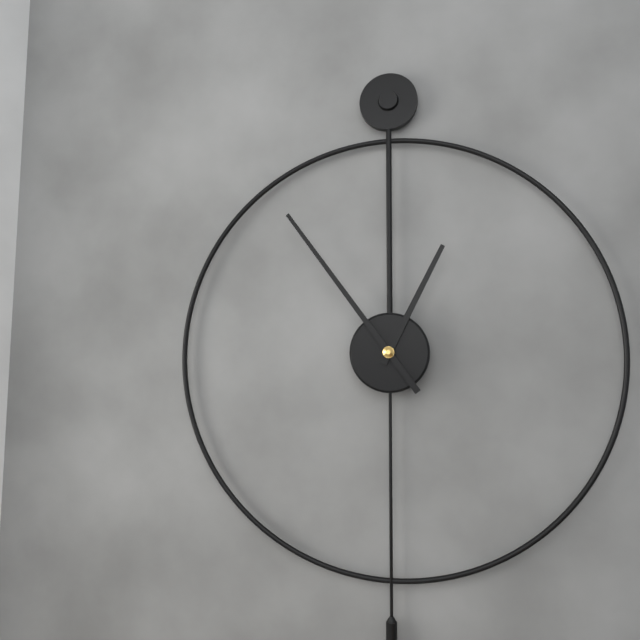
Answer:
12:54
